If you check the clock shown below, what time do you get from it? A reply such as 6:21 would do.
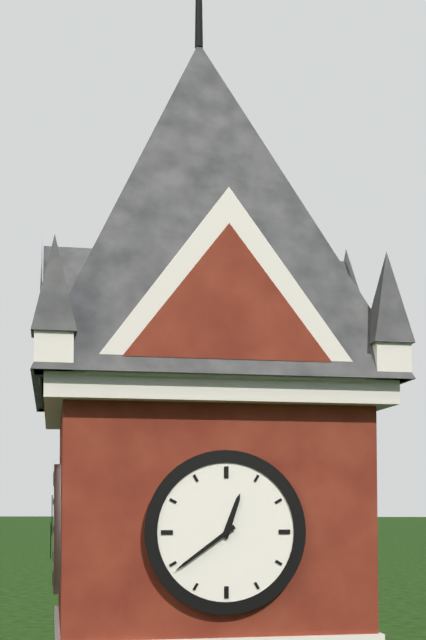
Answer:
12:39
